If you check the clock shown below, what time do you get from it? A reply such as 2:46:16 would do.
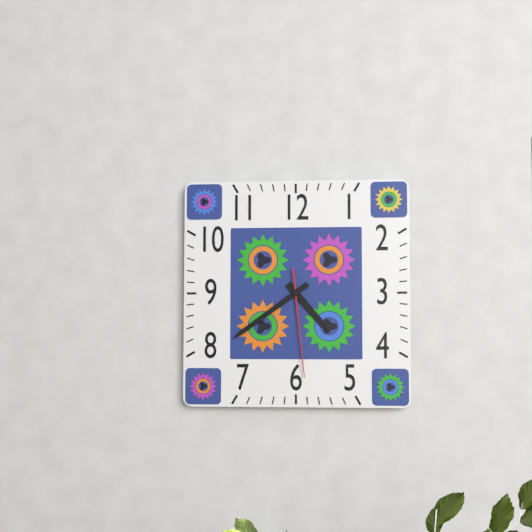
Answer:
4:39:29
